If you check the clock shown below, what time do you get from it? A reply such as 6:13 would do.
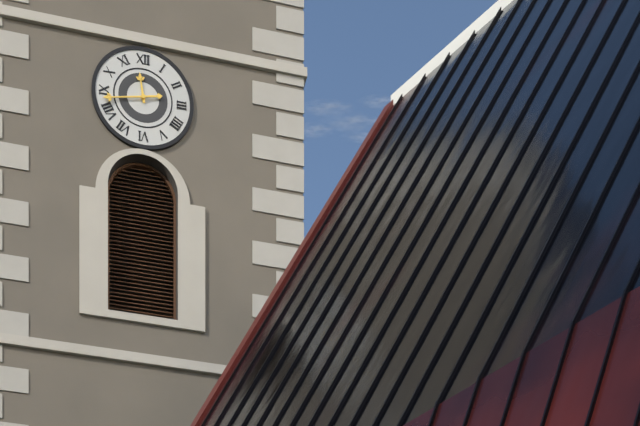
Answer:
11:43
